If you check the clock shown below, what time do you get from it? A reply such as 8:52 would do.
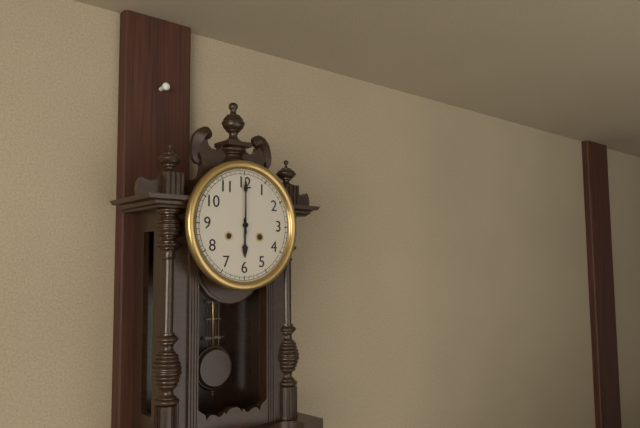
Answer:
6:00
